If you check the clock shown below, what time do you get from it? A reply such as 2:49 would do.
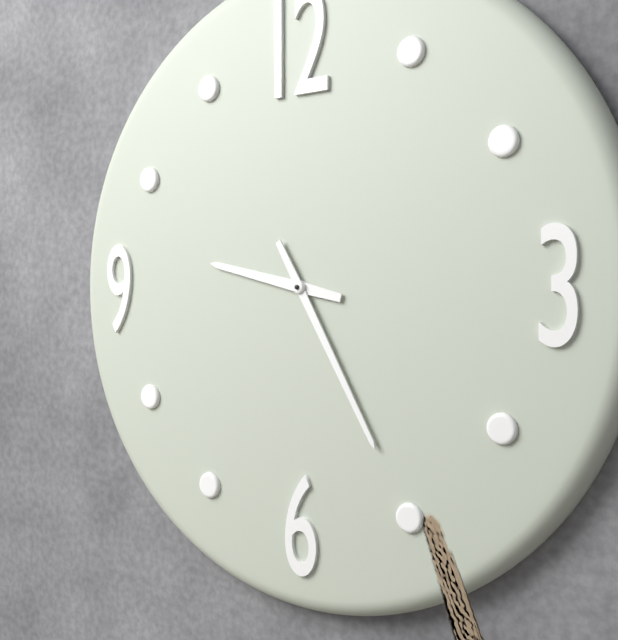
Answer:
9:25
